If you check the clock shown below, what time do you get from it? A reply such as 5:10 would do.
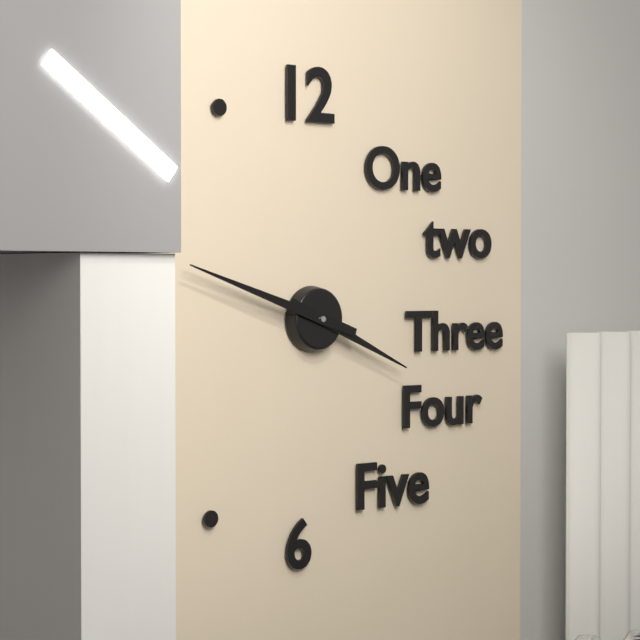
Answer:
3:48
